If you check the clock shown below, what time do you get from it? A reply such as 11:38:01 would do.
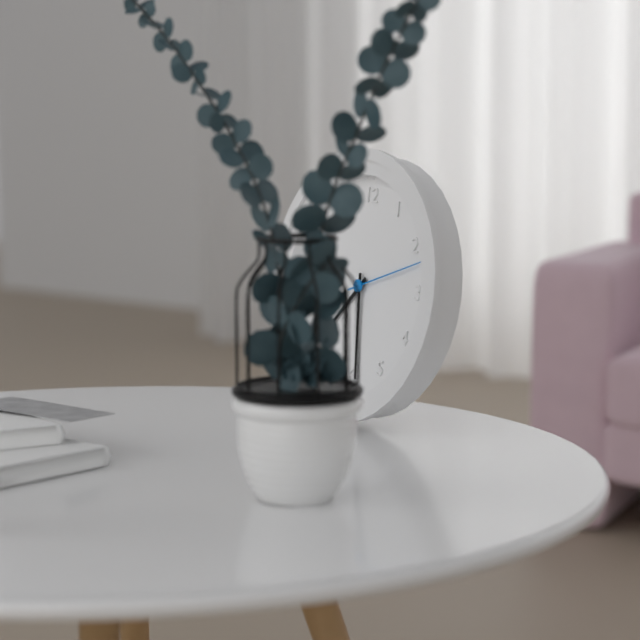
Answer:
7:29:12
